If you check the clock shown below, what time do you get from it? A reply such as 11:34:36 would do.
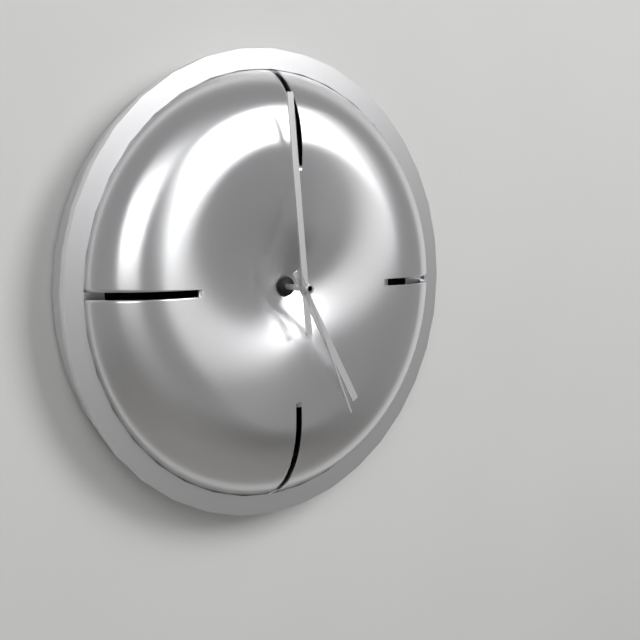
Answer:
4:59:26
